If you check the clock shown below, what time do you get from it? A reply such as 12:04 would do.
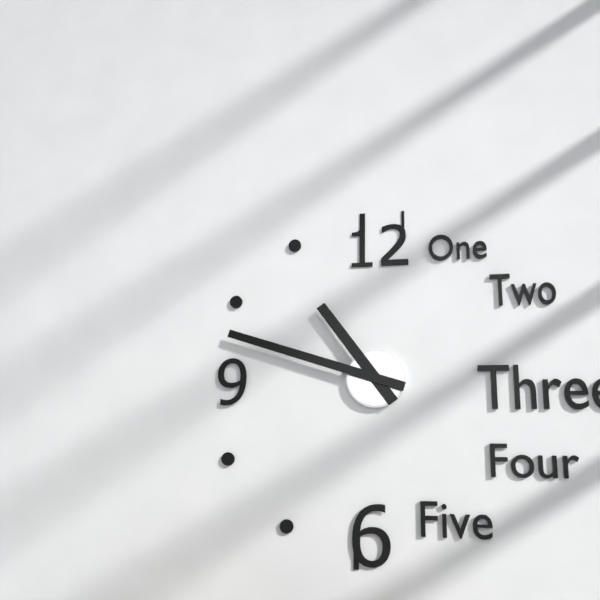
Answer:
10:48
